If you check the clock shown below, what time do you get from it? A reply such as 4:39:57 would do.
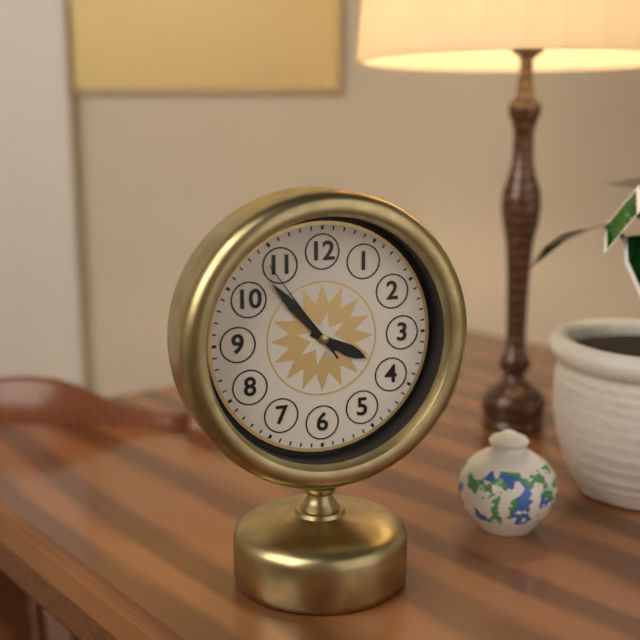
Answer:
3:53:54
